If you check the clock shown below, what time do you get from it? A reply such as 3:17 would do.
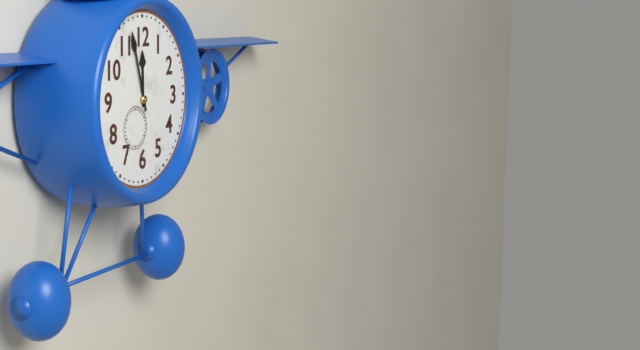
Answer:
11:57
